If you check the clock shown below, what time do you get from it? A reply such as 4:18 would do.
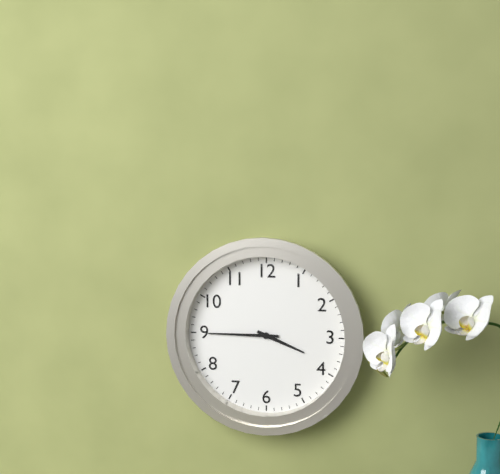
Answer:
3:45
